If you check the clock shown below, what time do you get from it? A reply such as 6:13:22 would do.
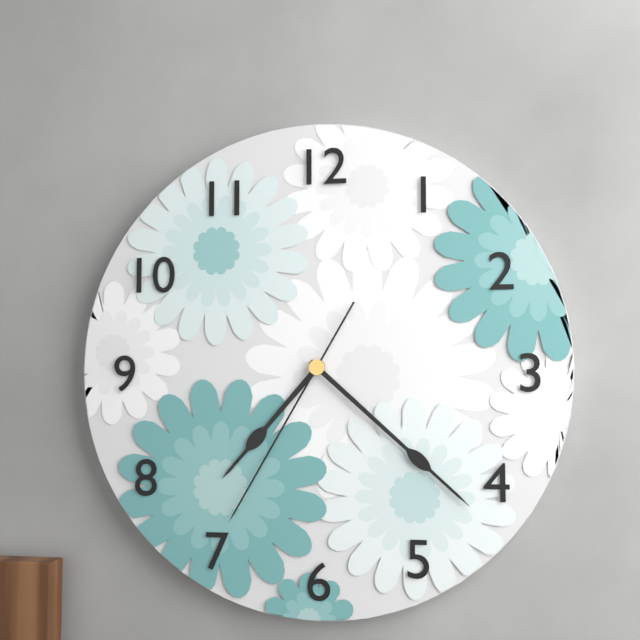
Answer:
7:22:35
